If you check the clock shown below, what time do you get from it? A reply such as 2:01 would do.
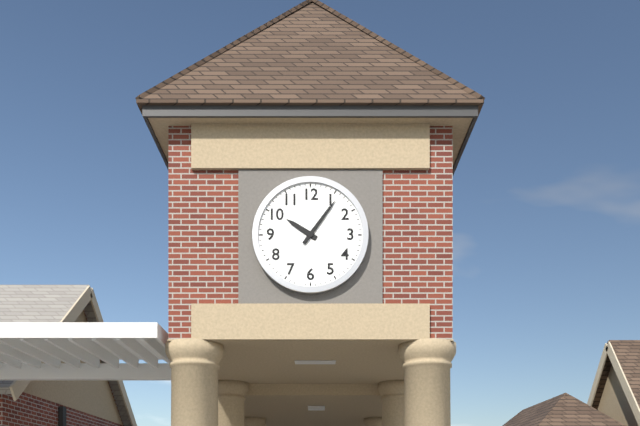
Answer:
10:06
